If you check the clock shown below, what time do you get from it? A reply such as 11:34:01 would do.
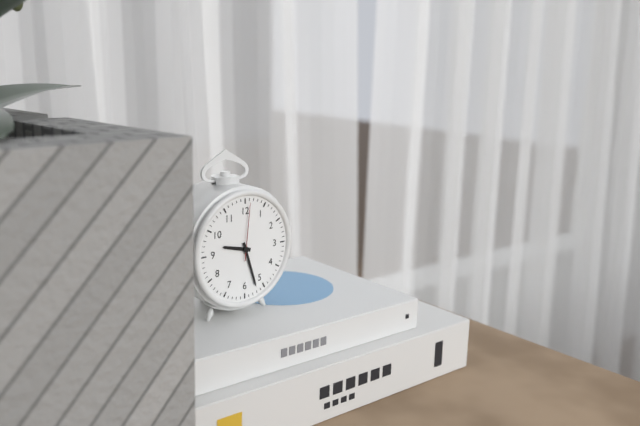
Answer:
9:27:01
